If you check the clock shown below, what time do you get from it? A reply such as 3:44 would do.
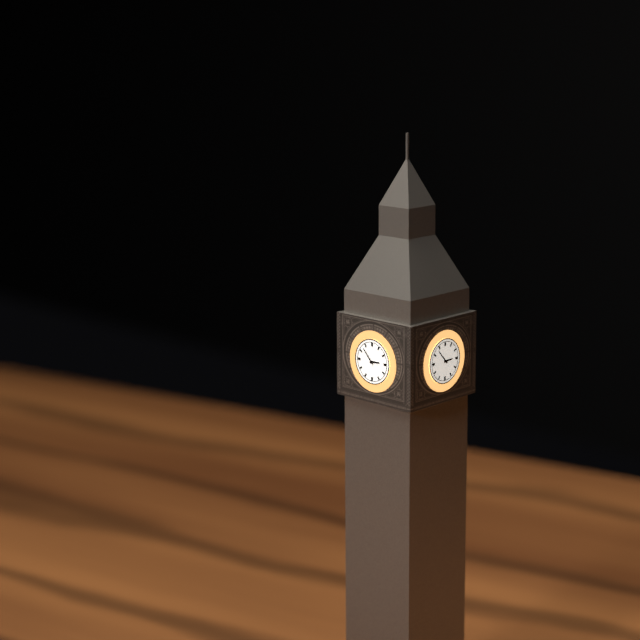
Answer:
2:53
